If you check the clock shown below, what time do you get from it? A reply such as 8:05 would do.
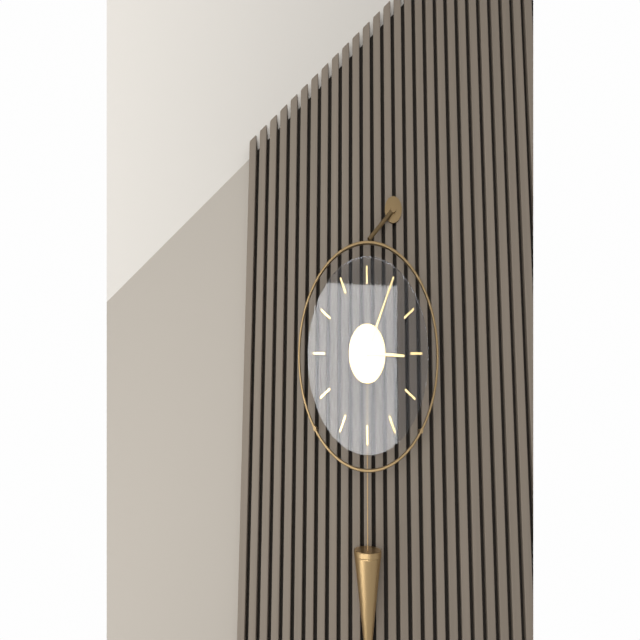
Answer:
3:05
